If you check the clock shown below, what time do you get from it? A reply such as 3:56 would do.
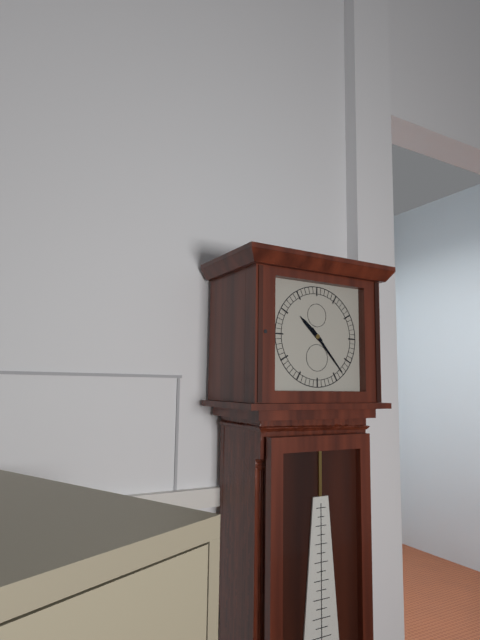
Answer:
10:23
